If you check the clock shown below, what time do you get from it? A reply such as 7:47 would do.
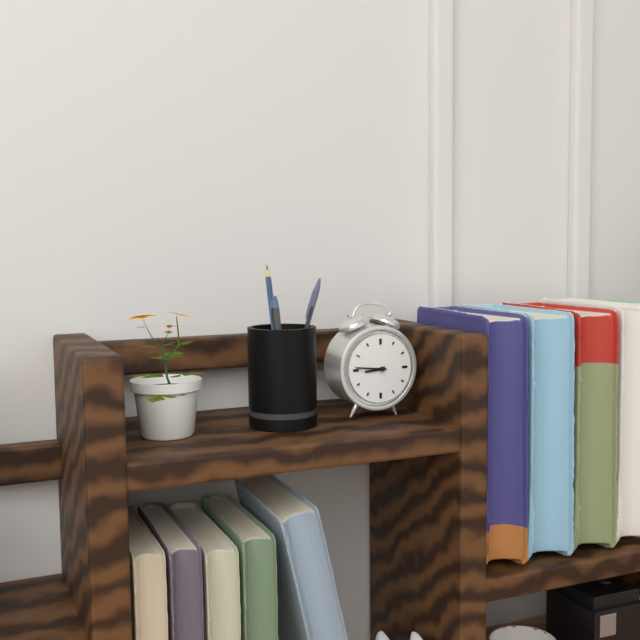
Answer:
8:46
